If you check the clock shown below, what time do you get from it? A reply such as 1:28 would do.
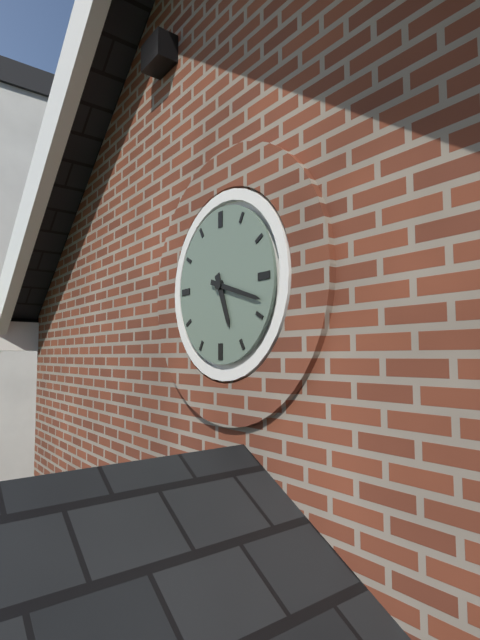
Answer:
5:18
